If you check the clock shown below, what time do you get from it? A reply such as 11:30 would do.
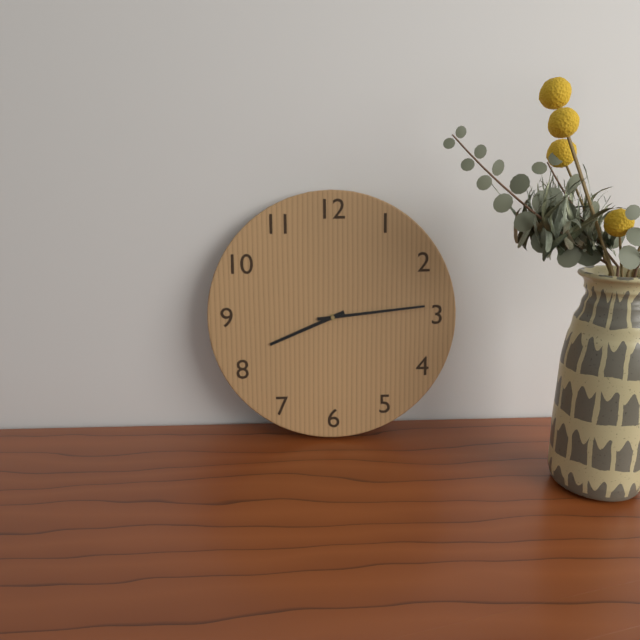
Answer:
8:14
